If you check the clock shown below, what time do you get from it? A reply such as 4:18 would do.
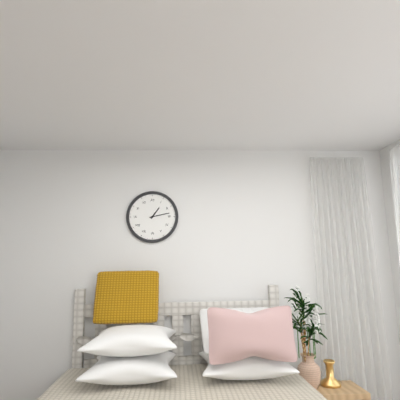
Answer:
1:13
